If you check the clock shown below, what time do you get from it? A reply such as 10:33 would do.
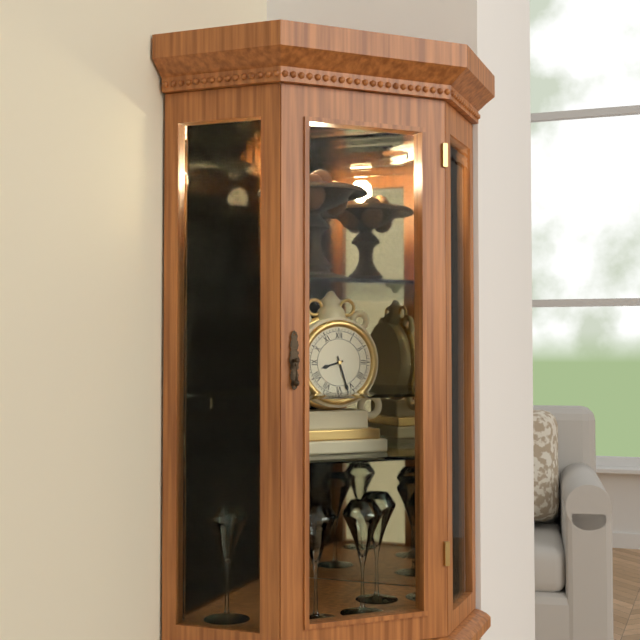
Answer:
8:27
